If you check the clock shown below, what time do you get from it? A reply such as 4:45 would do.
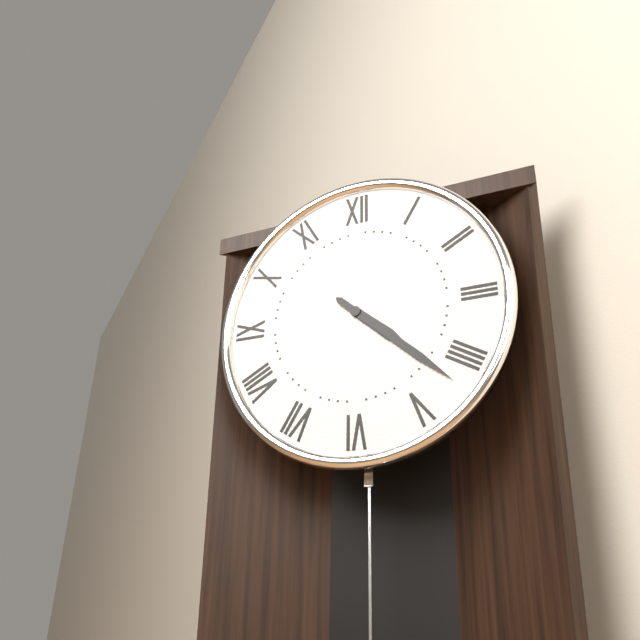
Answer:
4:22
